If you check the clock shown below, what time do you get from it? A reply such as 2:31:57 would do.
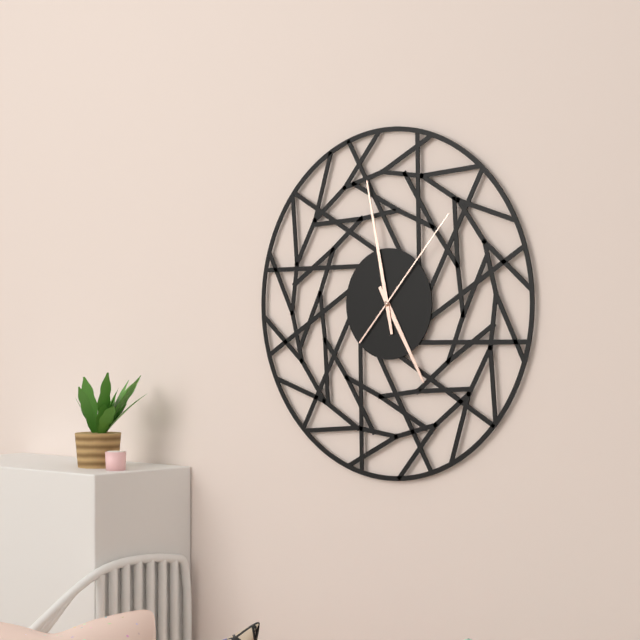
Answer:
4:58:07
